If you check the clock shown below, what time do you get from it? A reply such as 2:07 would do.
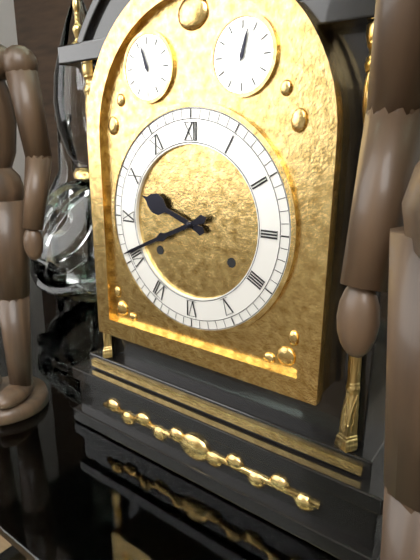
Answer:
9:41
